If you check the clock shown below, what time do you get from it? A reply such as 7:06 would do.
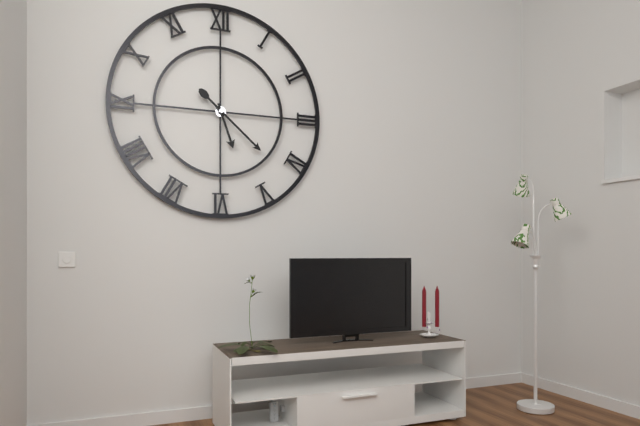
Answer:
5:22
